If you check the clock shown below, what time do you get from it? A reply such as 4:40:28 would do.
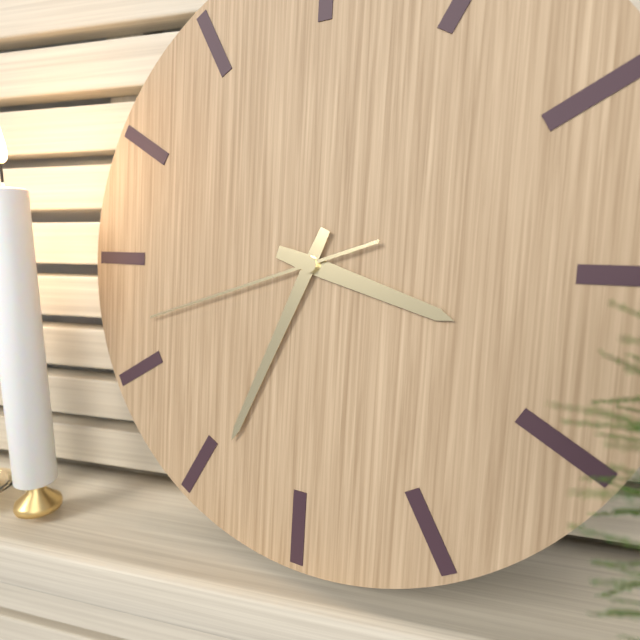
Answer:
3:34:42
